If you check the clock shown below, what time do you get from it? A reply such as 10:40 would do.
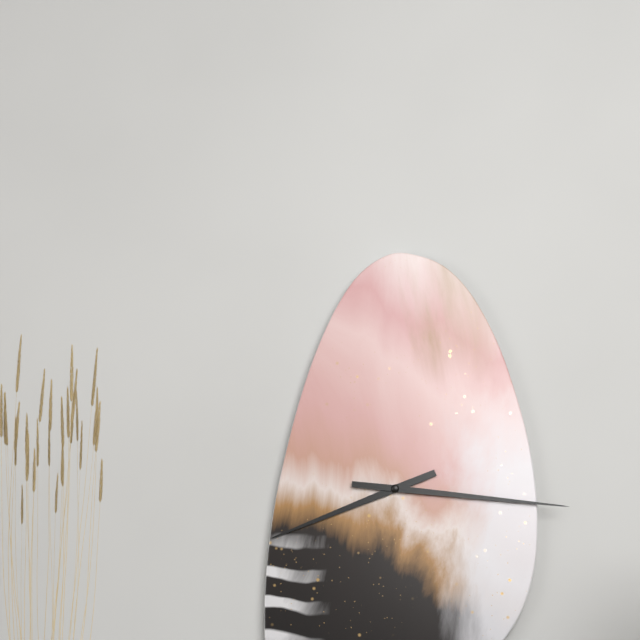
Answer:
8:16
